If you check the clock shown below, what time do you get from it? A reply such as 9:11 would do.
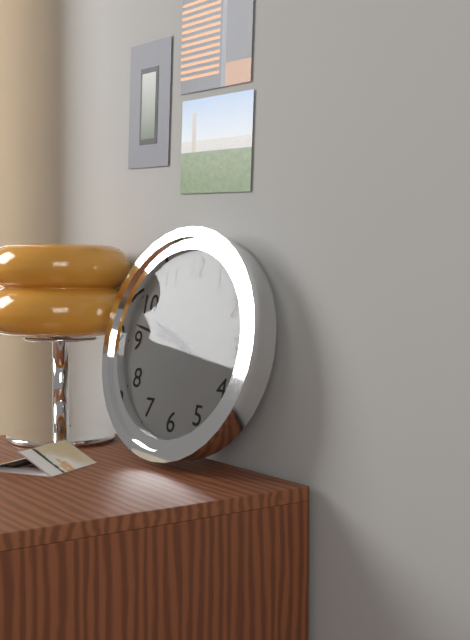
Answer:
9:47
